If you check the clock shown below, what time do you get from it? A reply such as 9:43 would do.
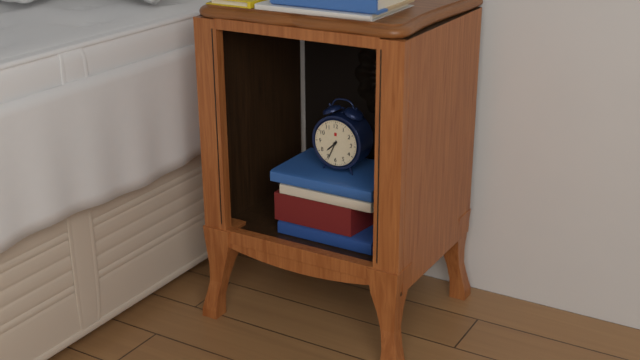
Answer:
7:34
